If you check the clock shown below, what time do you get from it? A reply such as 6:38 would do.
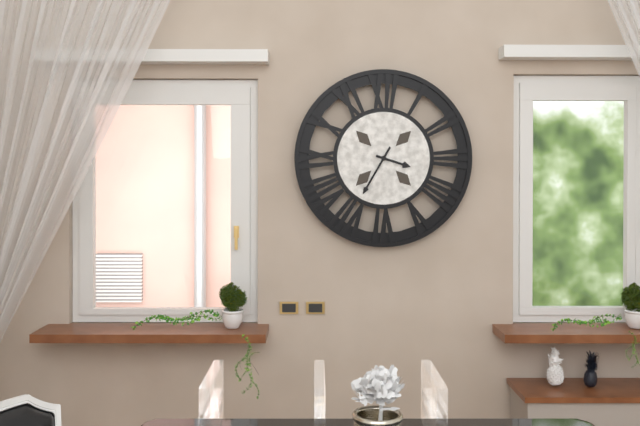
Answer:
3:35
